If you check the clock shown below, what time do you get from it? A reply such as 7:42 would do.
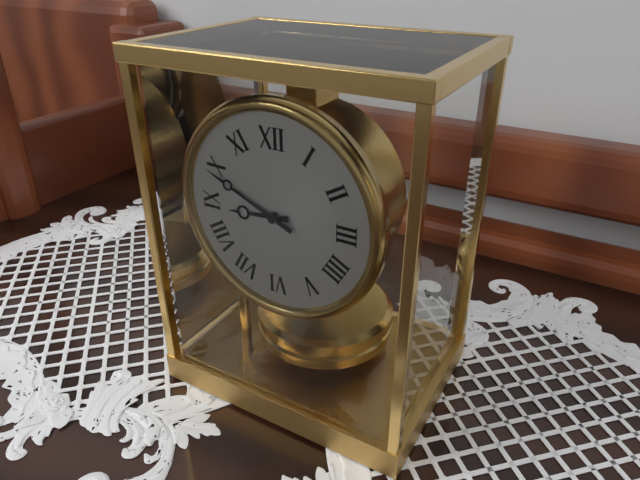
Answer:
8:49
